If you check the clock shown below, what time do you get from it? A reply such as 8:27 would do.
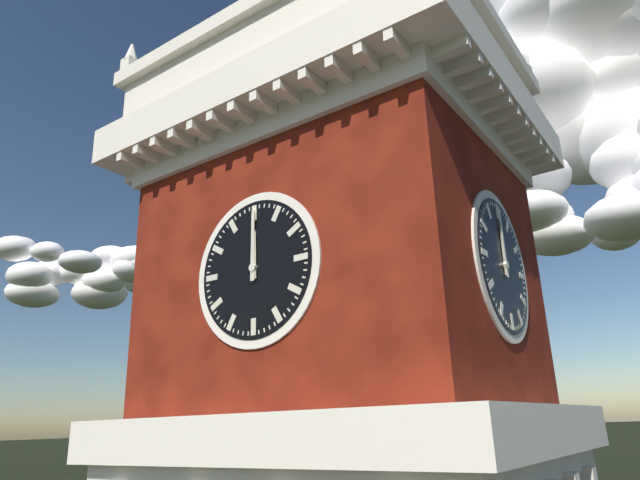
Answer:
12:00
